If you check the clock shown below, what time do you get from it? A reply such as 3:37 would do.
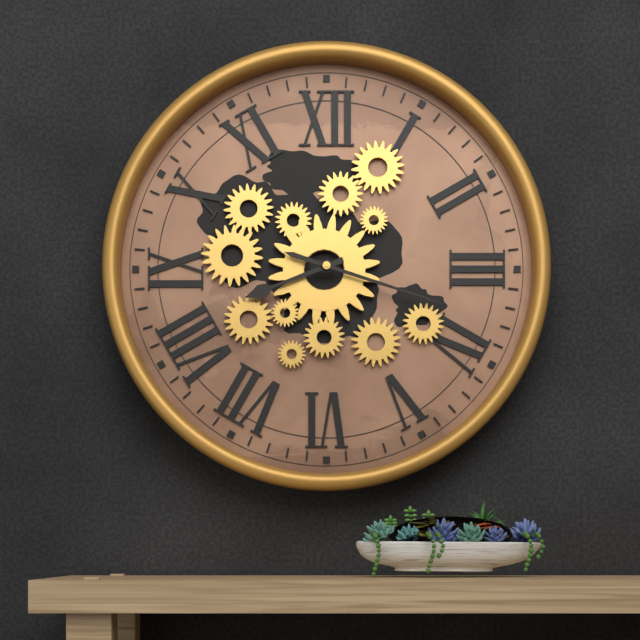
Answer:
8:18
